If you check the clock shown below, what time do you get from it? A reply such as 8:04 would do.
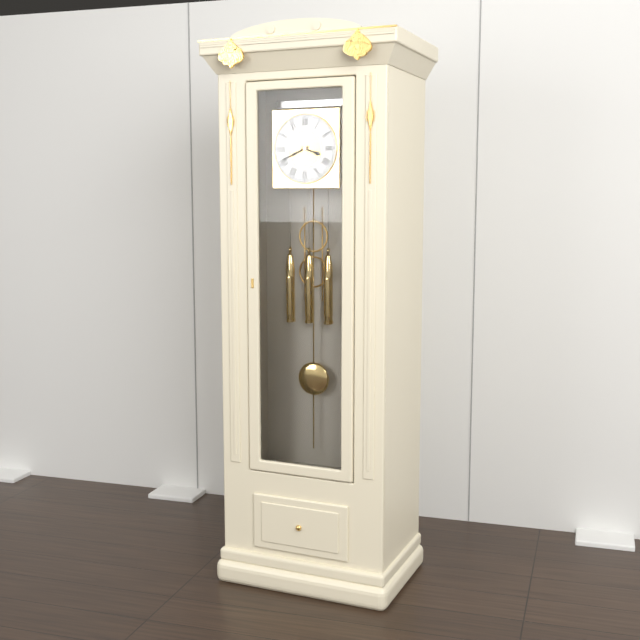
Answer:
3:41
